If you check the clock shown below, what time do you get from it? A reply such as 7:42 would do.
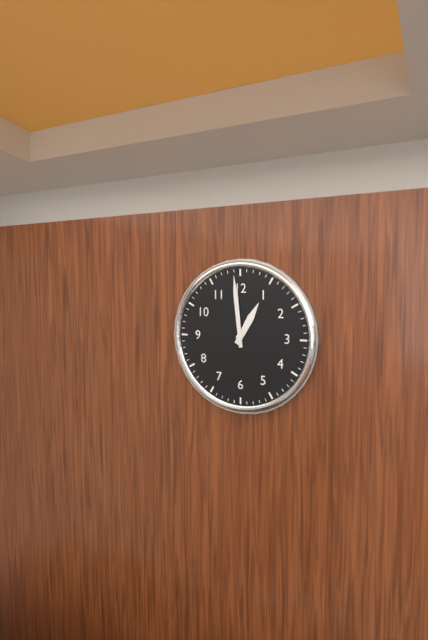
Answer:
12:59
